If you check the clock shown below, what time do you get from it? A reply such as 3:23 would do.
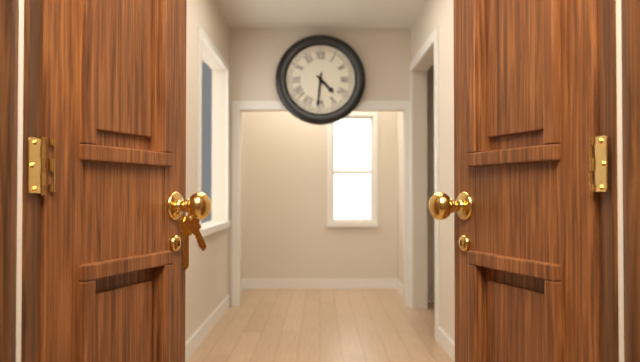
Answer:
4:31
